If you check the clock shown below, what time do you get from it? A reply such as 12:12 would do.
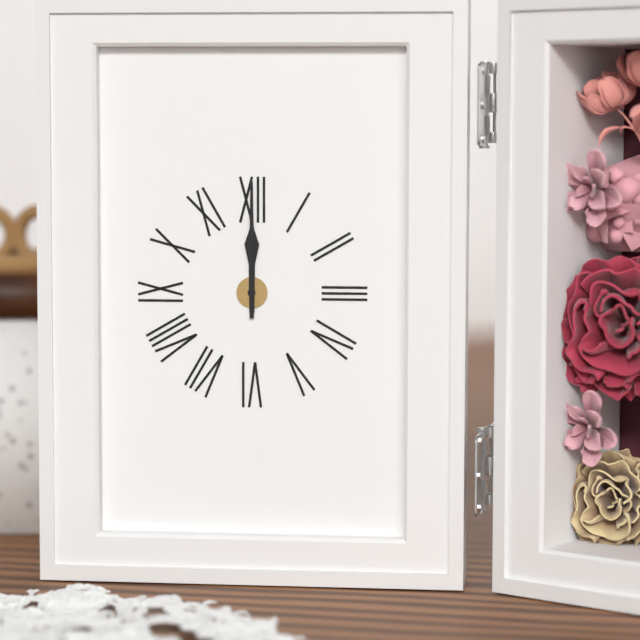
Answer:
12:00
